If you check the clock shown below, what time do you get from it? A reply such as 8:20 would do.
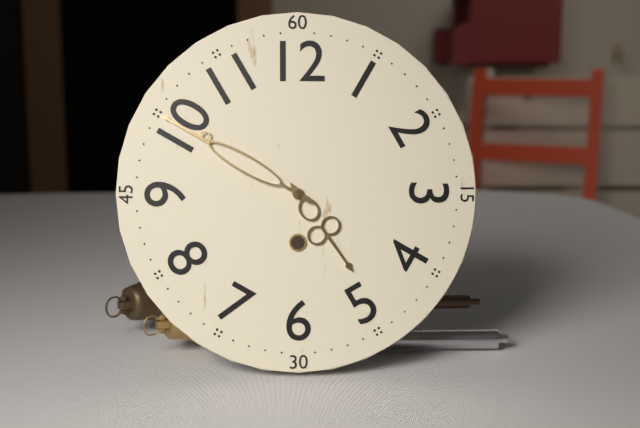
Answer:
4:50
